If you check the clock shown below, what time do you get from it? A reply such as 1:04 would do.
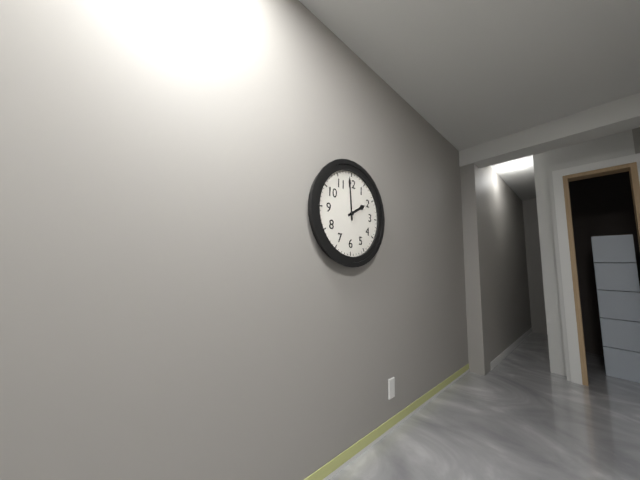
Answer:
1:59
